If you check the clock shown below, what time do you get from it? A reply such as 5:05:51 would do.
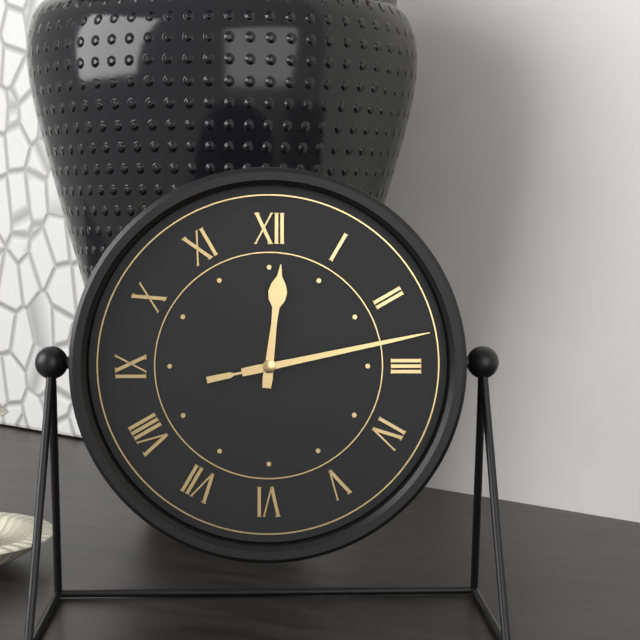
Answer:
12:13:13
